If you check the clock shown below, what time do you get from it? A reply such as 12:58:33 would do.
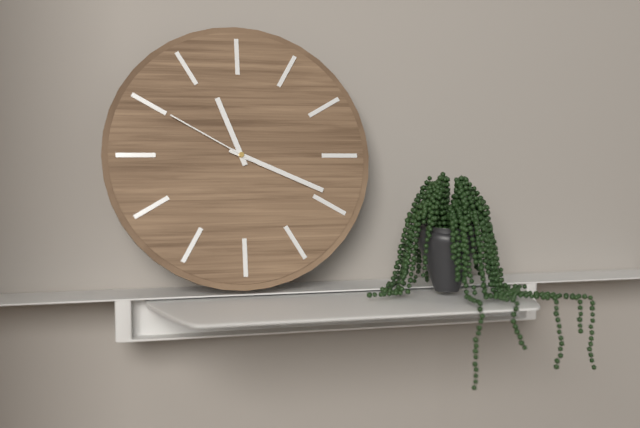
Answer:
11:19:50
